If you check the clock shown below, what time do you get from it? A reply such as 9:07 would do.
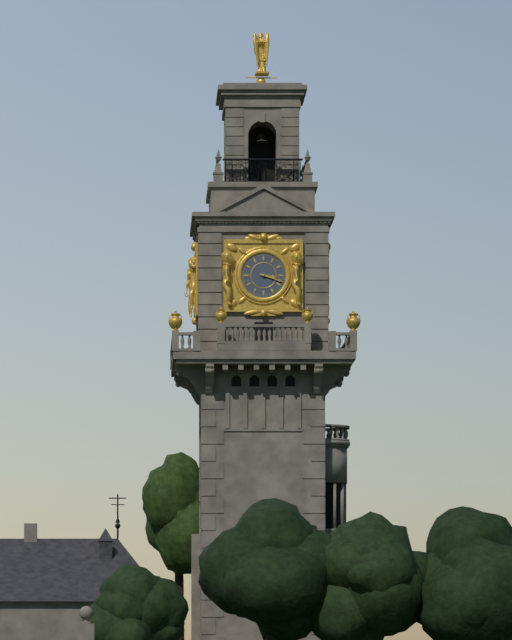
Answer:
3:18
